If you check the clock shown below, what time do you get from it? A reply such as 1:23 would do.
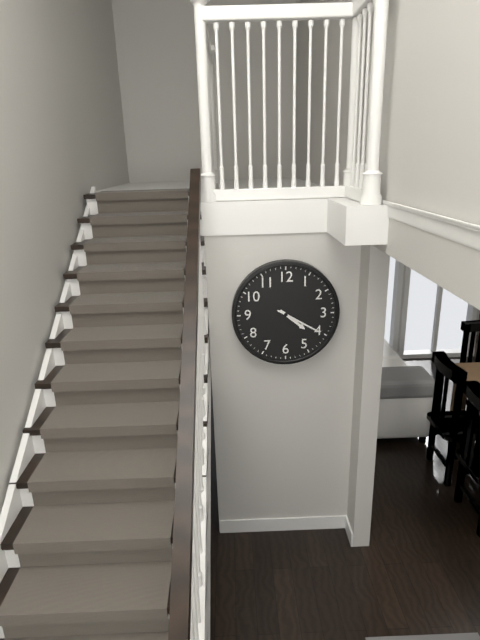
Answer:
4:20
